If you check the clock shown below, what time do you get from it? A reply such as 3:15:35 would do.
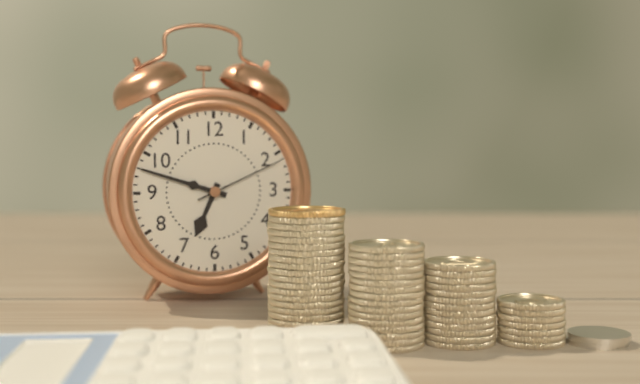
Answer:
6:48:11
